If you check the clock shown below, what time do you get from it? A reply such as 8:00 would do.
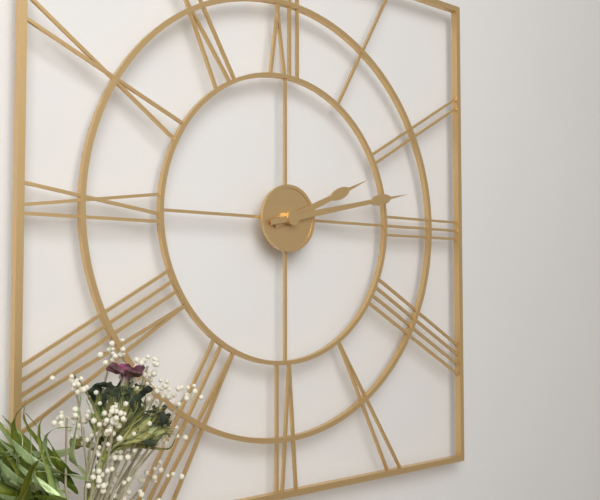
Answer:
2:13
